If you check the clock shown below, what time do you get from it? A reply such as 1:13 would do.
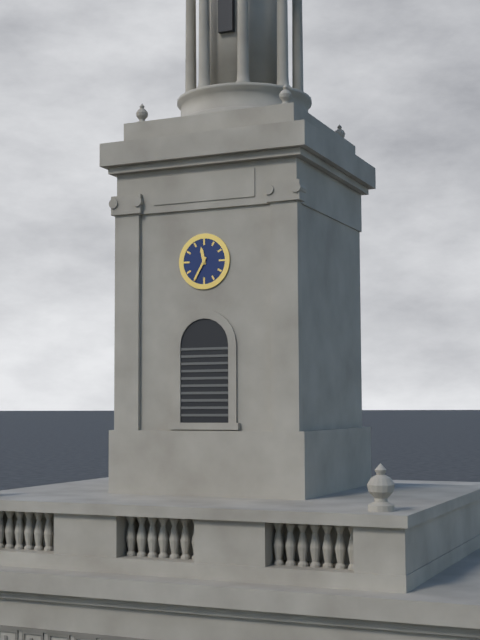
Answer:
11:35
